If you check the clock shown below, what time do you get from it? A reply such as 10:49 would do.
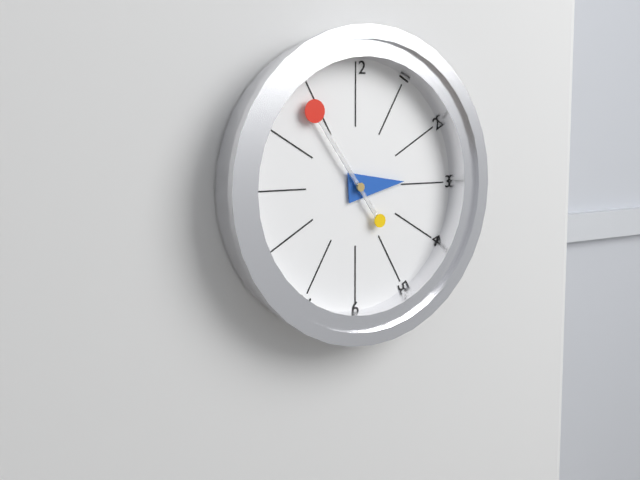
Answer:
2:54
